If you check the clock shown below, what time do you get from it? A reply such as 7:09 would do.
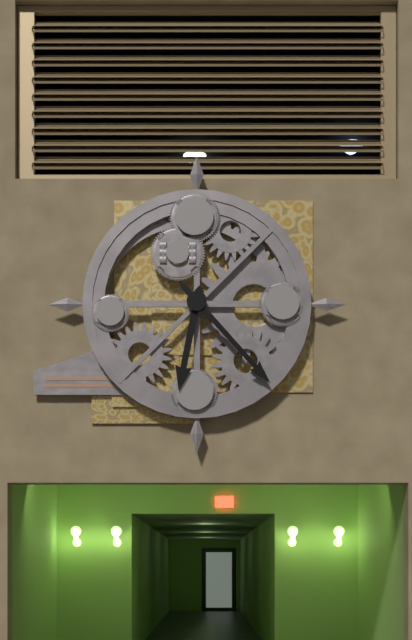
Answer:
6:23
